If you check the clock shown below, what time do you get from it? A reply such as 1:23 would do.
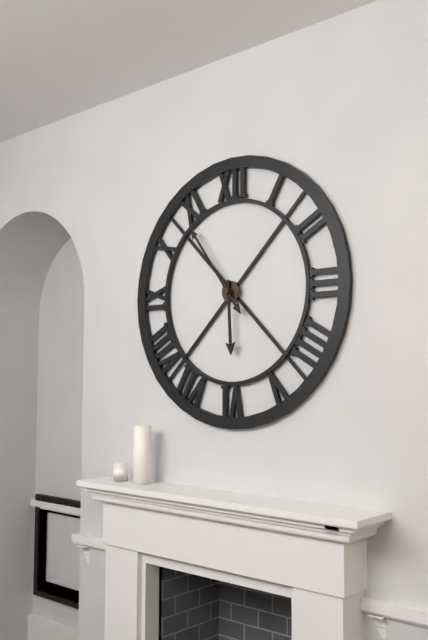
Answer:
5:54
